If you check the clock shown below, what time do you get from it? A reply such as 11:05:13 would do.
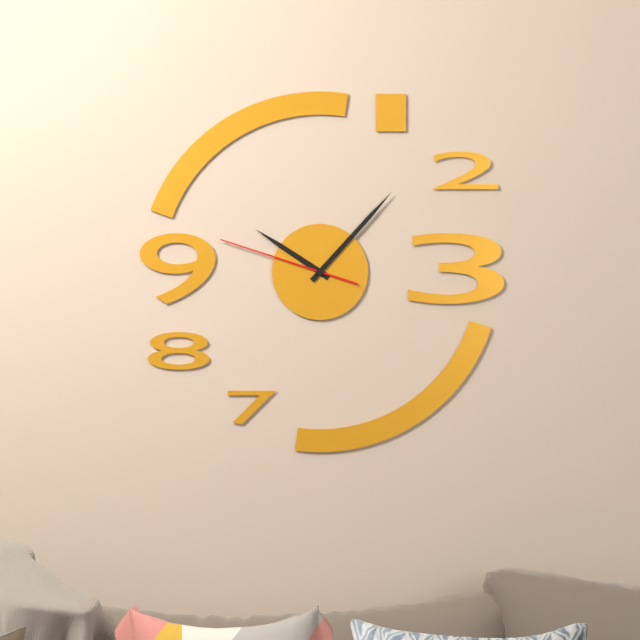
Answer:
10:07:48
